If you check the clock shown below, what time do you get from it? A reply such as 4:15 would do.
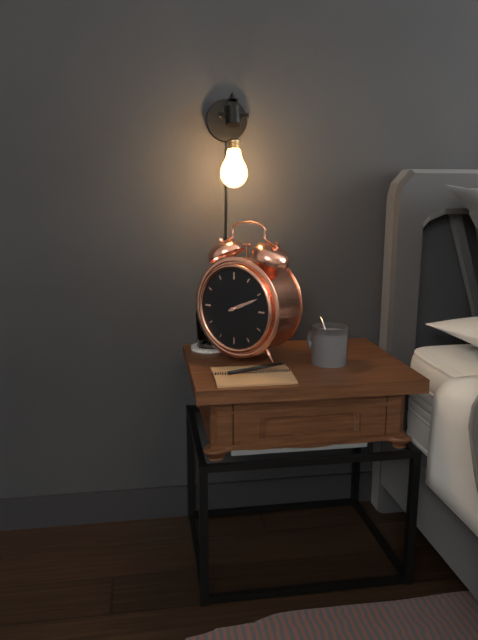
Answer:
2:11
